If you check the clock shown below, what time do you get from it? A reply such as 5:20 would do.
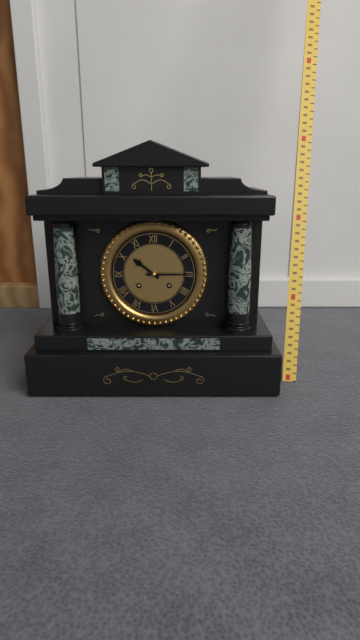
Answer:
10:15
